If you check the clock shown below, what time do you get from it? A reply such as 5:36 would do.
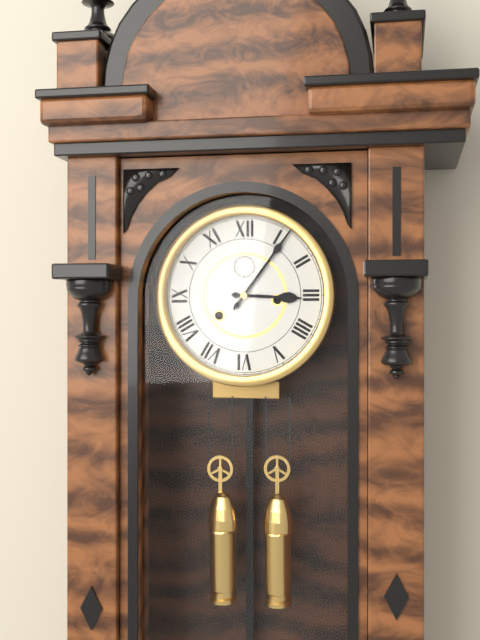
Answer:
3:06
